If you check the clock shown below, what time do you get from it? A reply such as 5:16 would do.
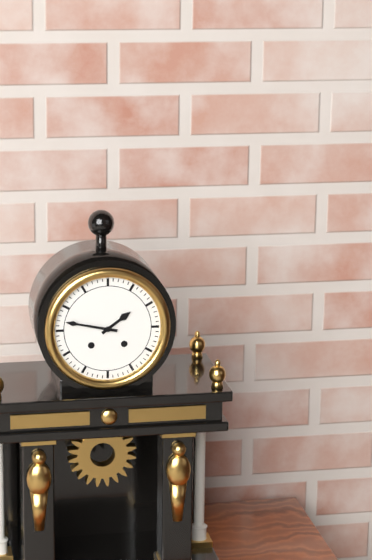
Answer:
1:47
